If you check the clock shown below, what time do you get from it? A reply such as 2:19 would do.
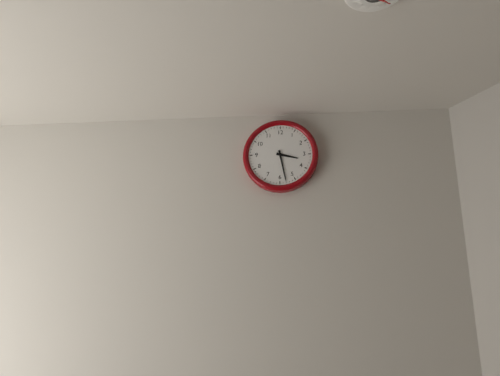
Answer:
3:28
